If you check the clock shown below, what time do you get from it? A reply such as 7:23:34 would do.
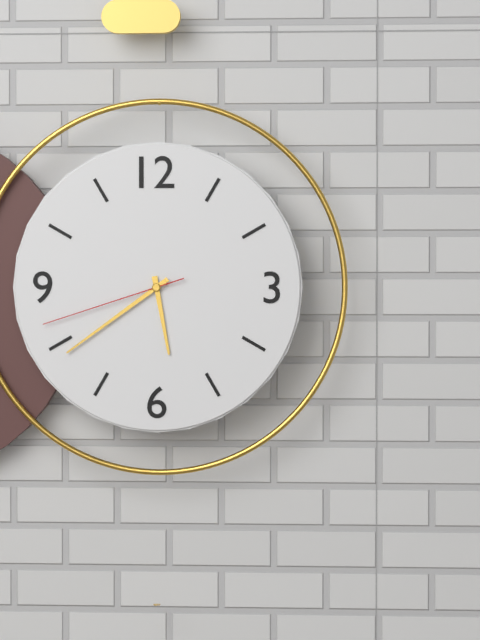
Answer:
5:39:42
